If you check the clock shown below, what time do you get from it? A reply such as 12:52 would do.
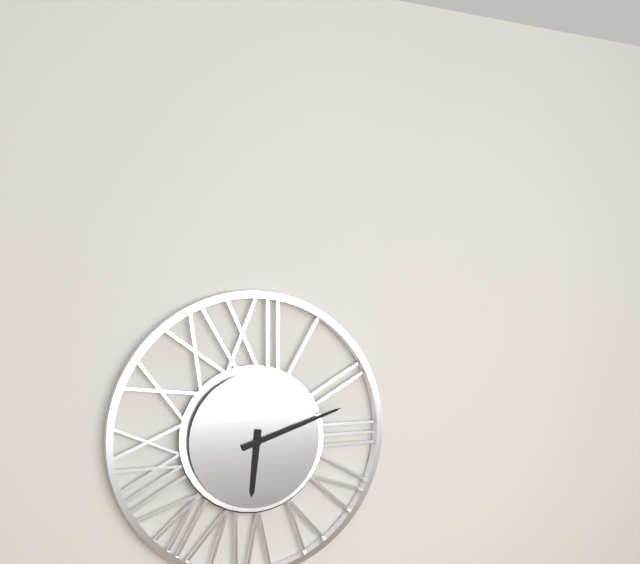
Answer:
6:12
